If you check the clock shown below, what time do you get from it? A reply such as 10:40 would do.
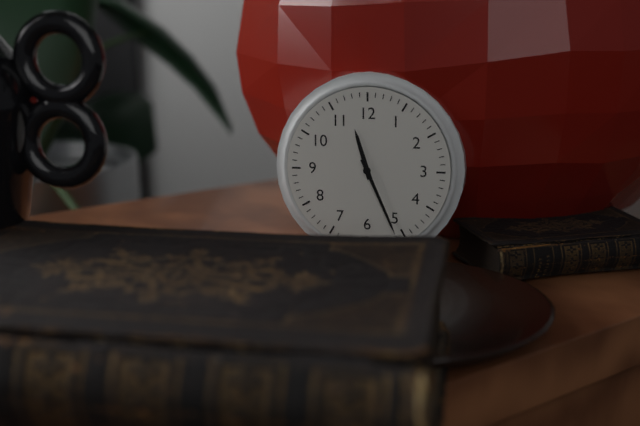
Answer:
11:26
